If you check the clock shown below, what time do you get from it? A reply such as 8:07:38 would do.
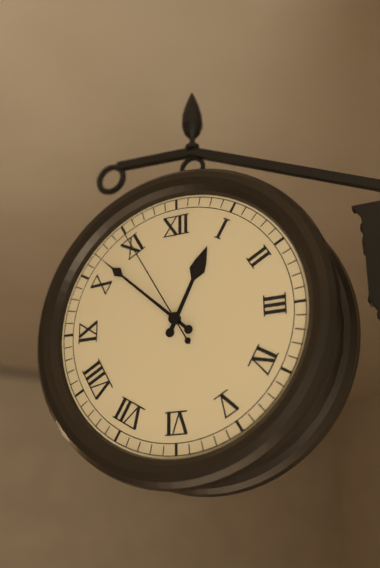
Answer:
12:52:55
